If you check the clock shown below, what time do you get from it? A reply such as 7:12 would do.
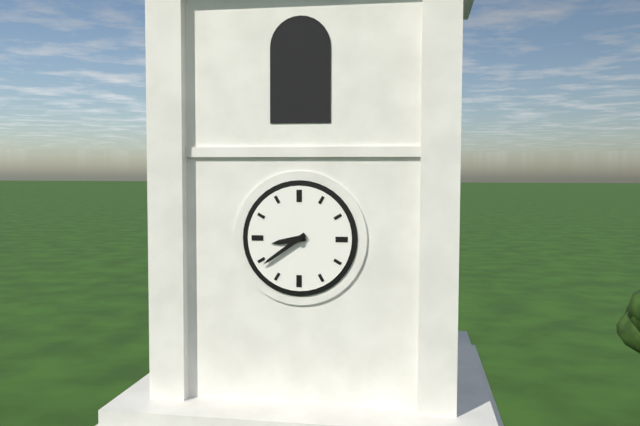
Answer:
8:39
